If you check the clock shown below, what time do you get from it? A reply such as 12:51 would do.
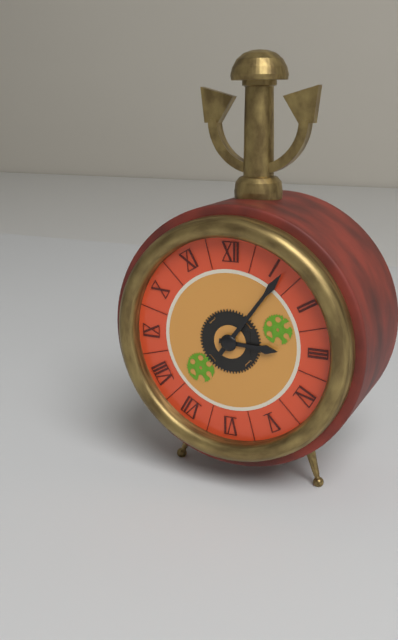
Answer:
3:06
